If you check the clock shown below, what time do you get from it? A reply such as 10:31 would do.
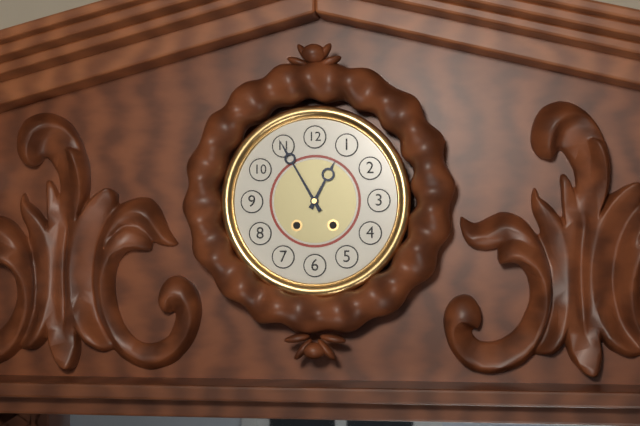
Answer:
12:55
